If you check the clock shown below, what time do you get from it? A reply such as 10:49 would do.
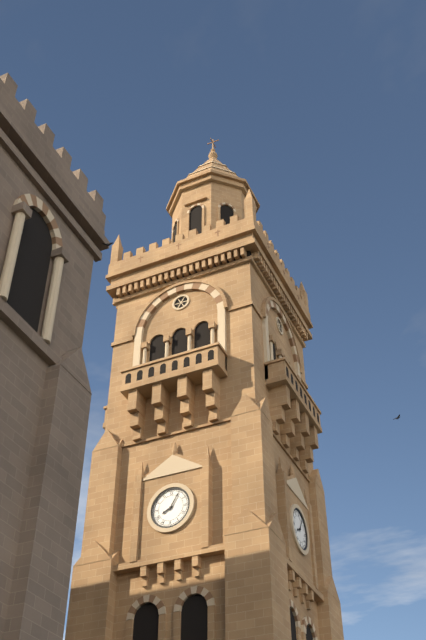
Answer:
8:05
